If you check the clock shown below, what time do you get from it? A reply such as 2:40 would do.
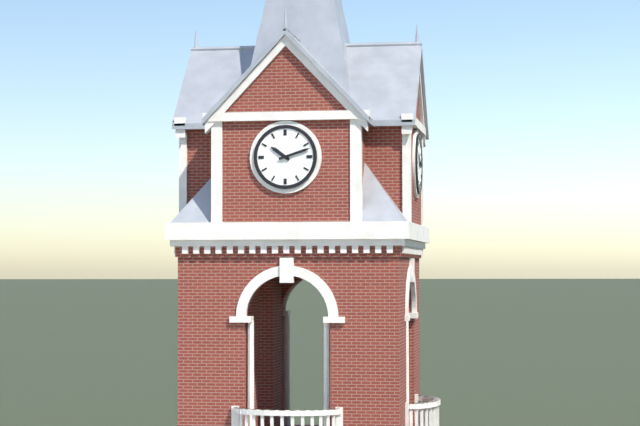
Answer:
10:12
